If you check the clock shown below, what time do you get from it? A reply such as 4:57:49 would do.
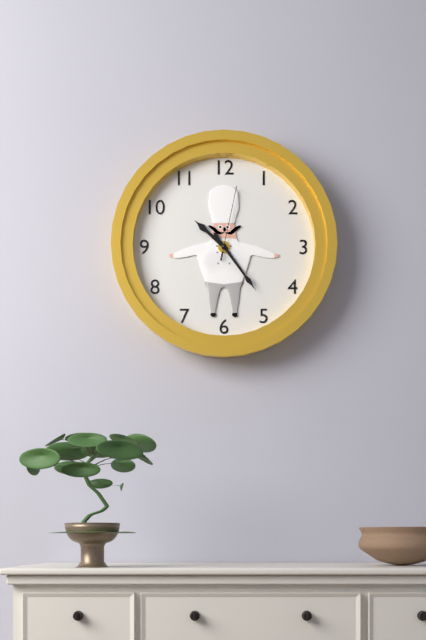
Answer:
10:24:02
